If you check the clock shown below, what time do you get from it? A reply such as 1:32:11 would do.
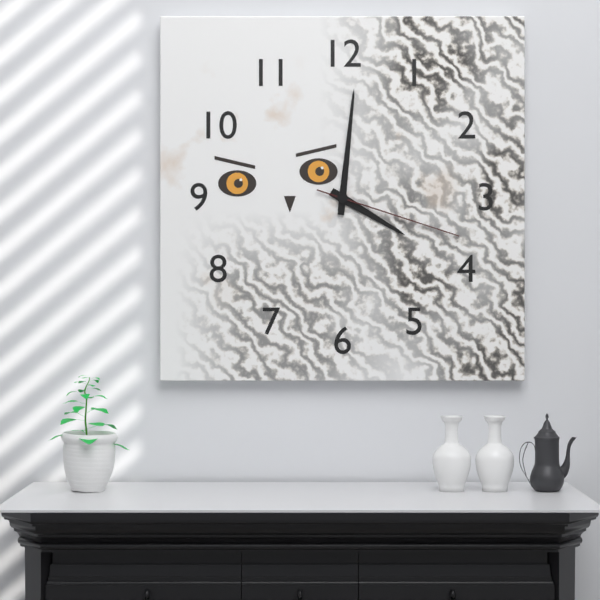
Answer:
4:01:18
